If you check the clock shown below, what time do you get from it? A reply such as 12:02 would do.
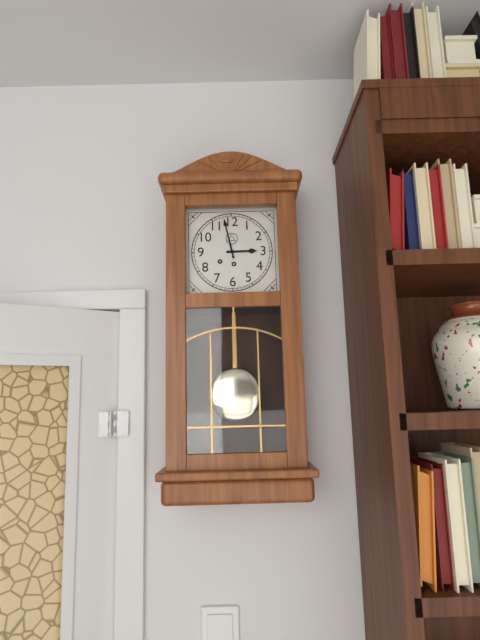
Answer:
2:58
